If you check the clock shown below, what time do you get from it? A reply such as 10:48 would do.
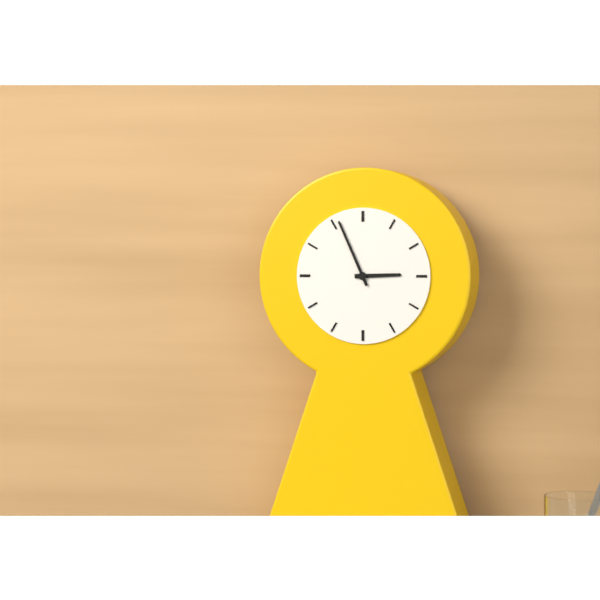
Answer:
2:56
